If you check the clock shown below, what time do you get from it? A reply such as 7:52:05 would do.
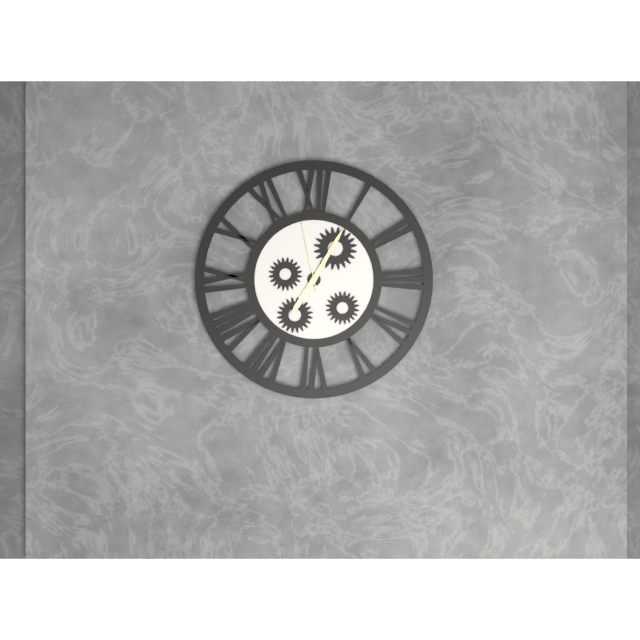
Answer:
7:05:58
